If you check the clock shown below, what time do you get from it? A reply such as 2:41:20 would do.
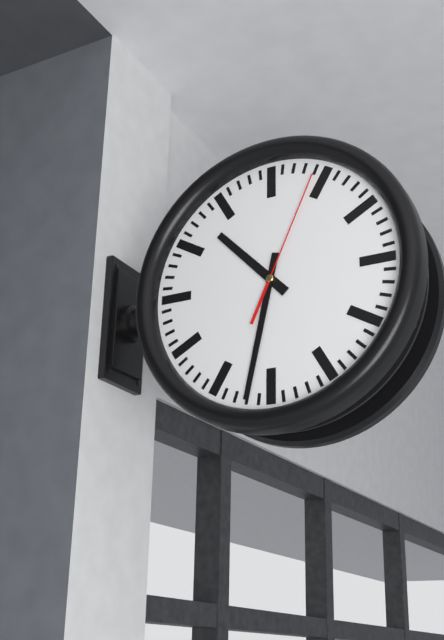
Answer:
10:32:04
